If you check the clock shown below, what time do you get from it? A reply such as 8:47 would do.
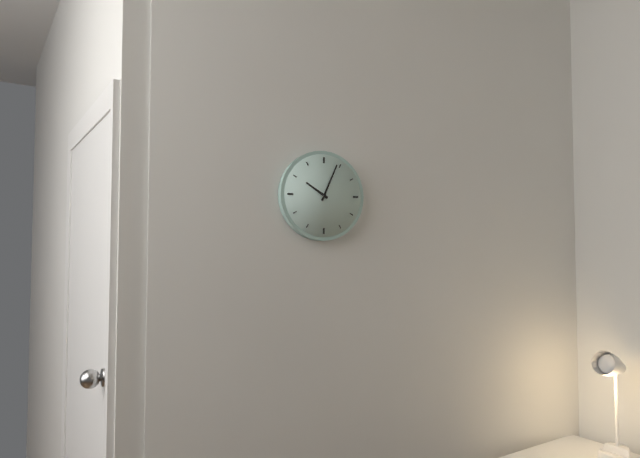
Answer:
10:04
